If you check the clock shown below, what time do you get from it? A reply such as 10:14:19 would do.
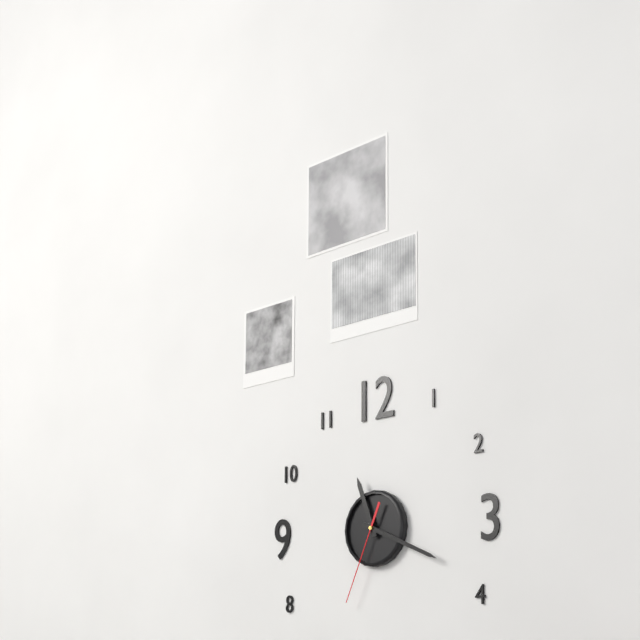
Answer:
11:19:34
